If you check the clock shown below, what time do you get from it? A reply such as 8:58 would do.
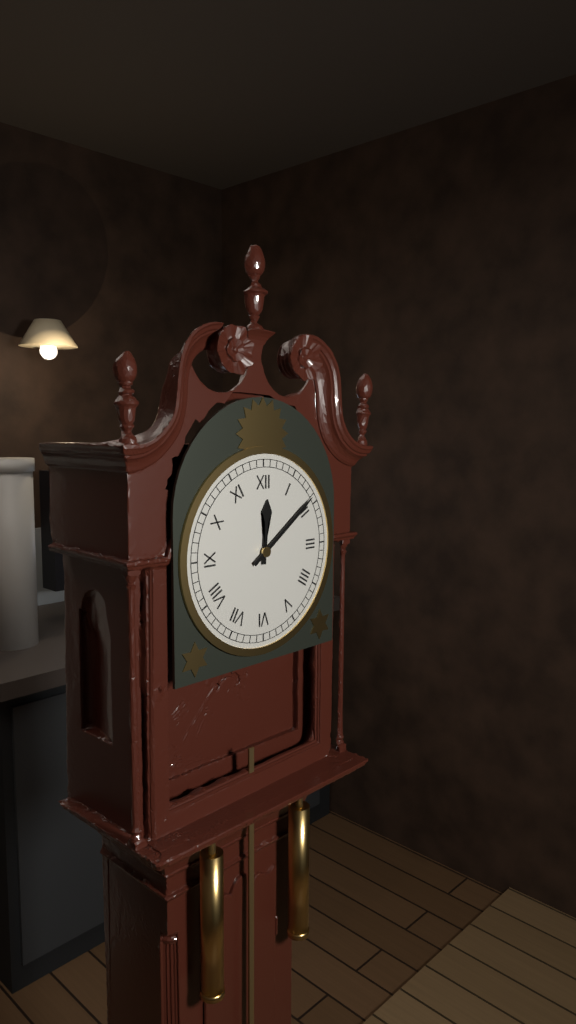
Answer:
12:09
